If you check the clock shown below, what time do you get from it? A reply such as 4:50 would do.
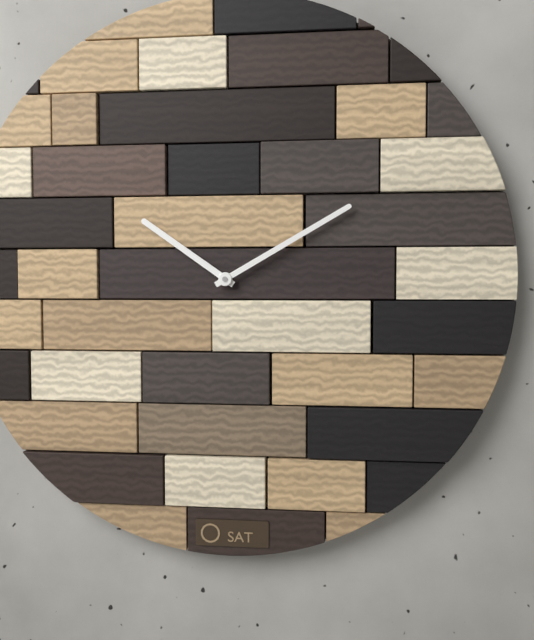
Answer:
10:10
